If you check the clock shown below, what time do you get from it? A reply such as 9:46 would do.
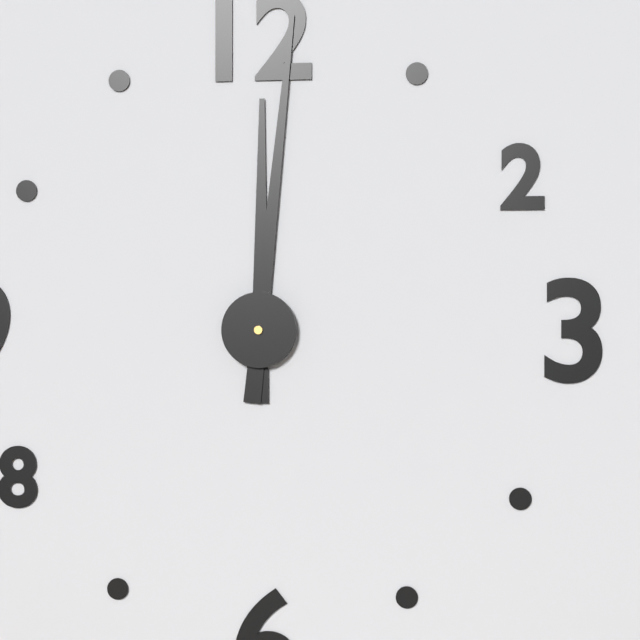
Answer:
12:01
